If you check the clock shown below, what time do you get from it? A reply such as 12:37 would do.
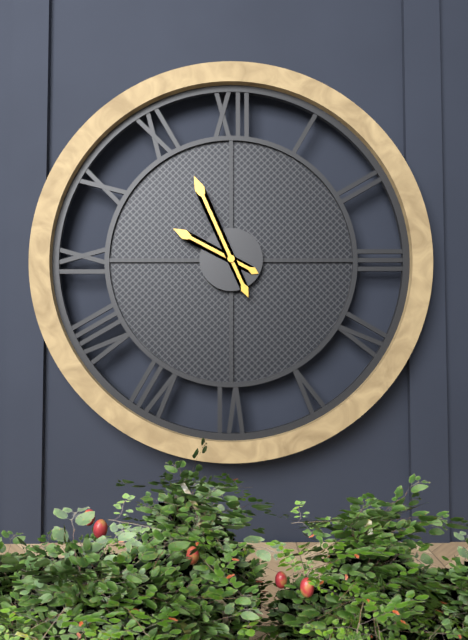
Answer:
9:56
